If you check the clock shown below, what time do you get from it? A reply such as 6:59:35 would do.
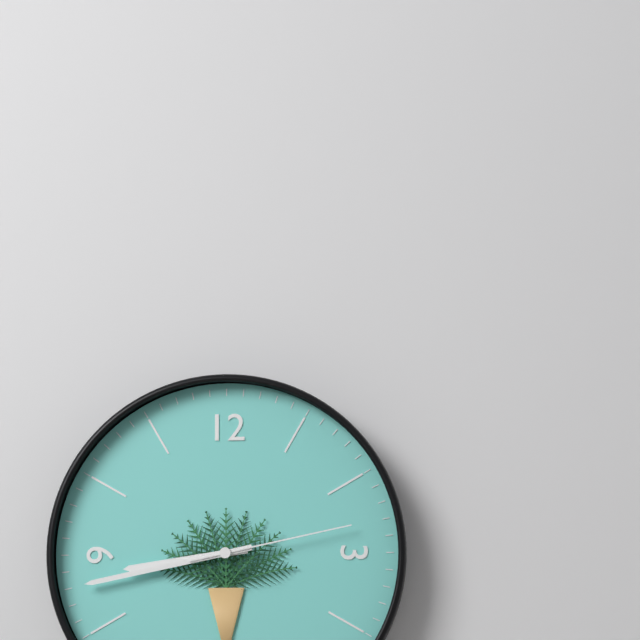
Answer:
8:43:13
